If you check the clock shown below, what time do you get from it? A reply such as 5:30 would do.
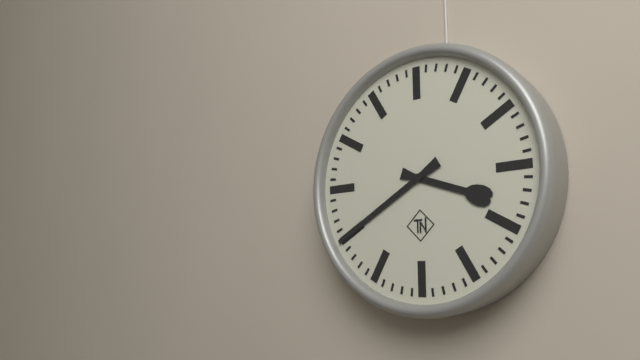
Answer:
3:40
